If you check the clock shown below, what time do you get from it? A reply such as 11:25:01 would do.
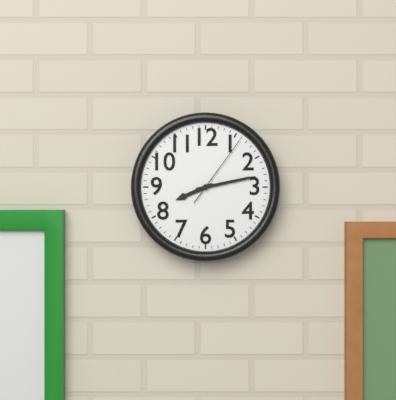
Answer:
8:13:06
